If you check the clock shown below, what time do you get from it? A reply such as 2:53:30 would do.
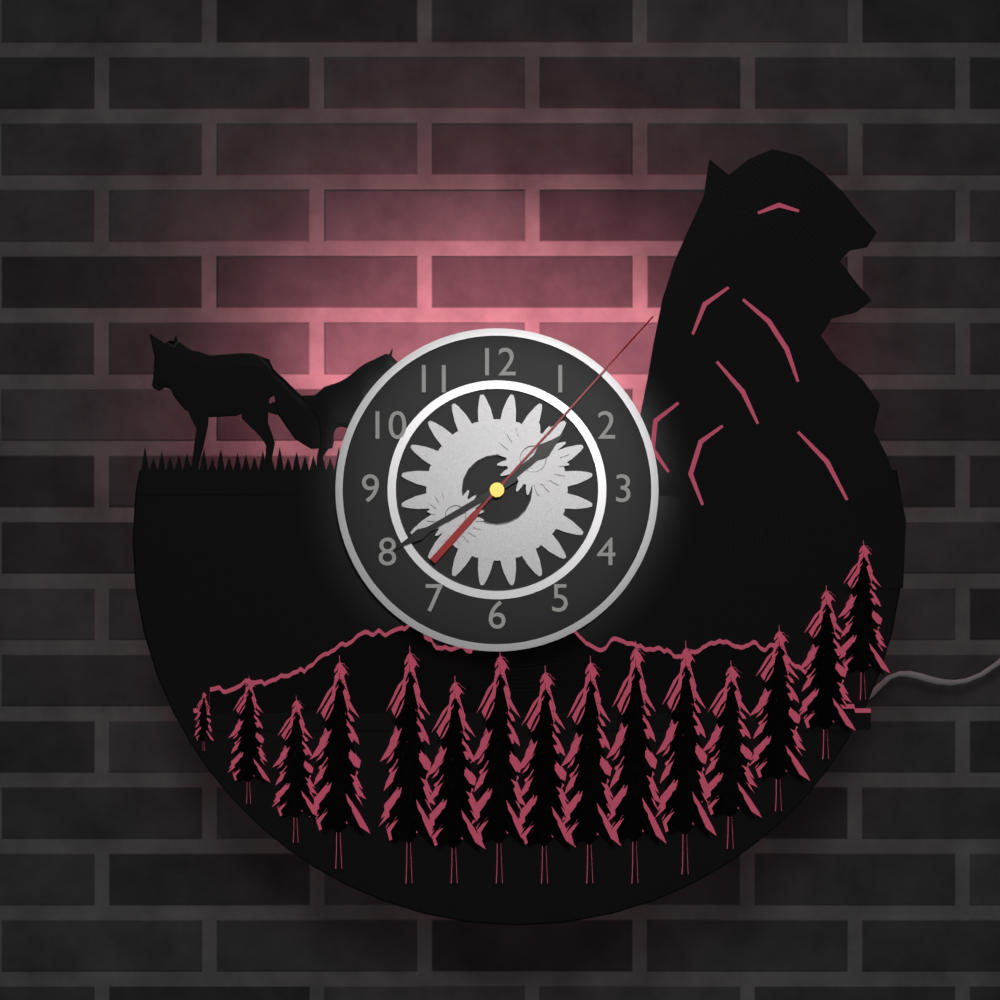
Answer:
1:40:07
